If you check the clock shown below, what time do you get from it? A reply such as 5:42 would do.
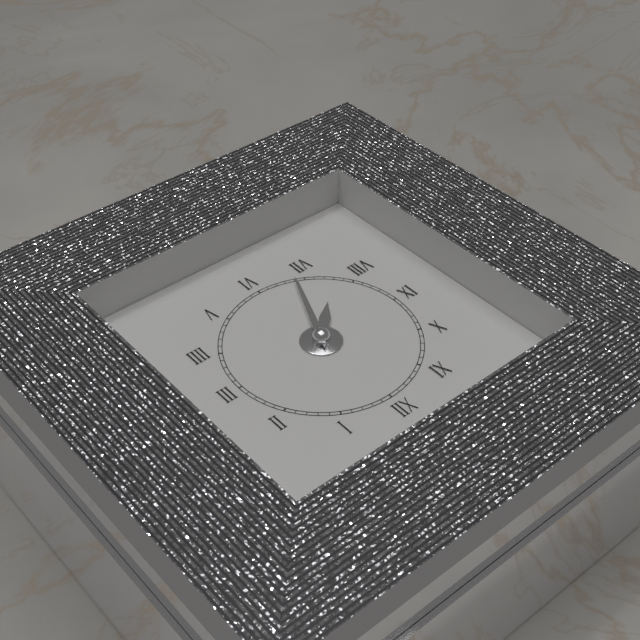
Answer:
7:34
